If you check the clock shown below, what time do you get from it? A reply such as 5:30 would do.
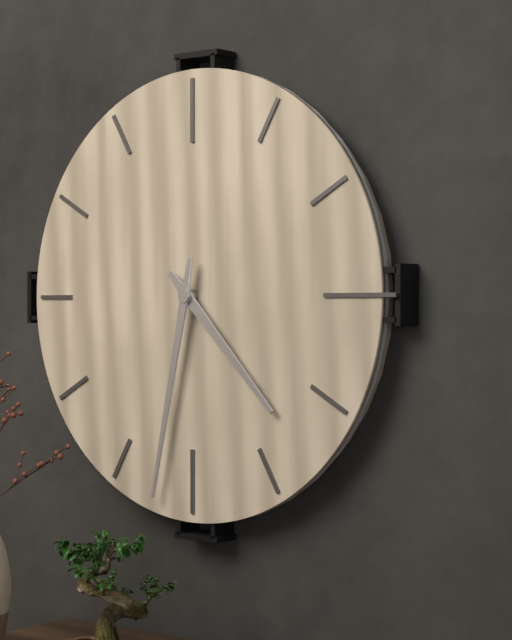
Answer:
4:32
